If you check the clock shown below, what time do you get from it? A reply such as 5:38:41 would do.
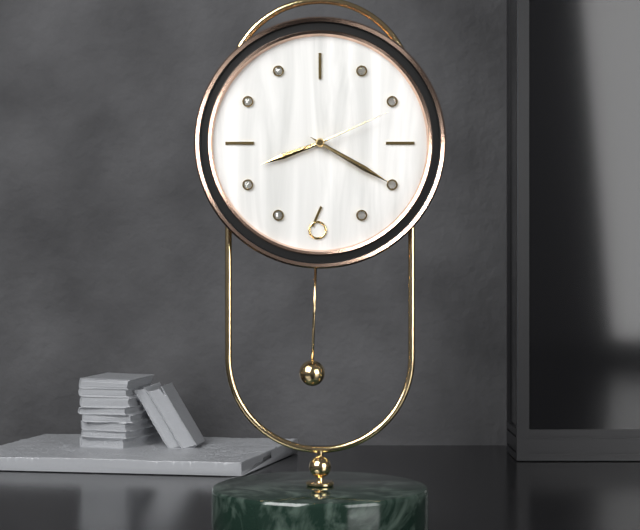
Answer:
8:20:11
